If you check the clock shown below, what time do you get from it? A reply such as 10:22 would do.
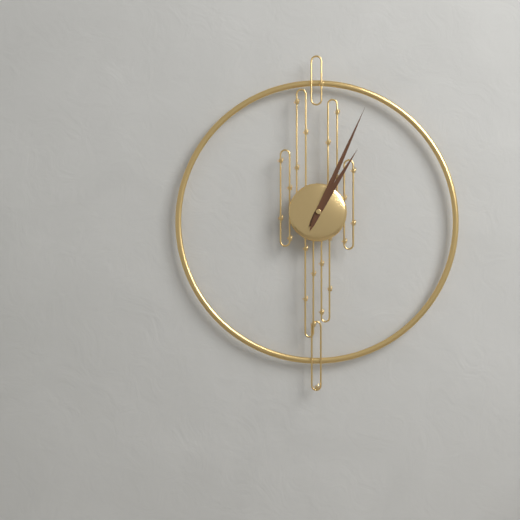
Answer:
1:04
